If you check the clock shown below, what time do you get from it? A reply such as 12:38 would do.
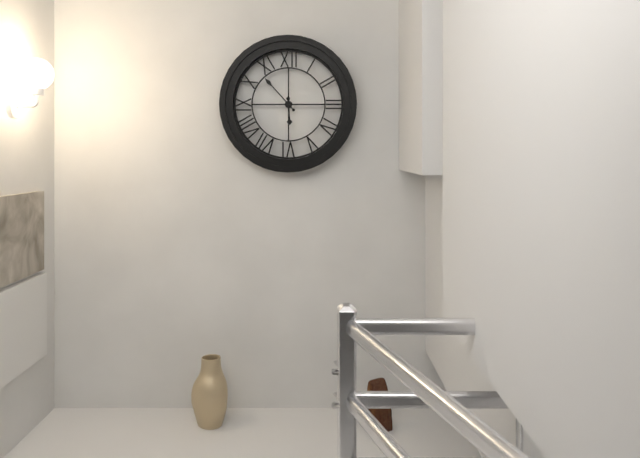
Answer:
5:53
